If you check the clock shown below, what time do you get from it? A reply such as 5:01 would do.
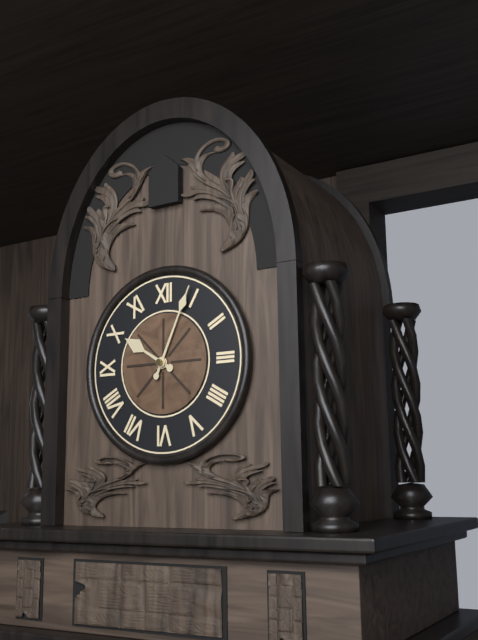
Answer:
10:04
